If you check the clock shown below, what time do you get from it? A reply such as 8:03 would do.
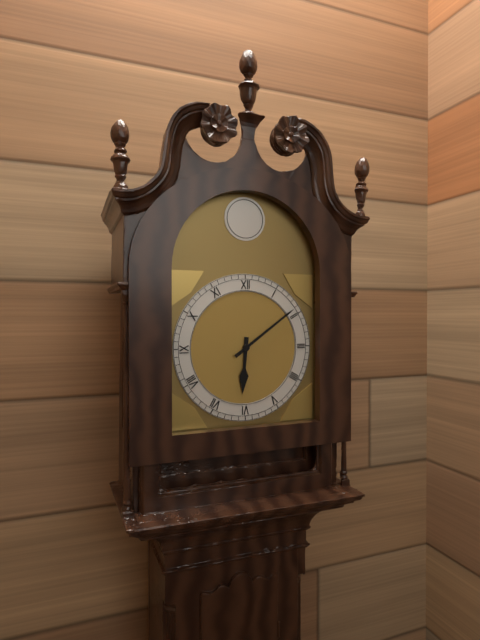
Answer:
6:09
